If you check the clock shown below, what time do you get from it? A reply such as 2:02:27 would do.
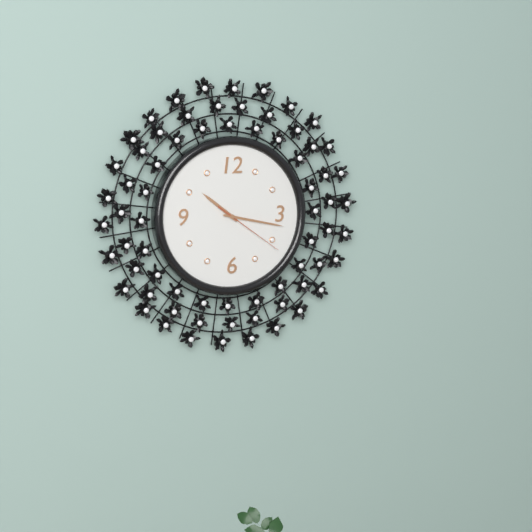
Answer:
10:17:21
